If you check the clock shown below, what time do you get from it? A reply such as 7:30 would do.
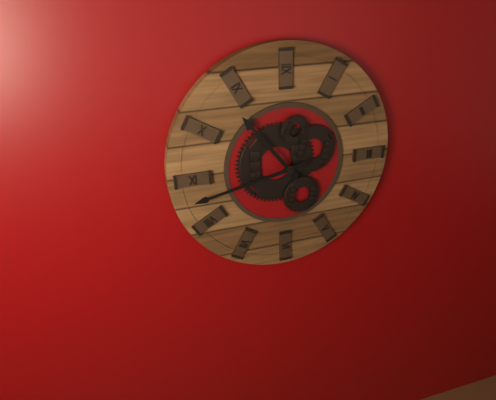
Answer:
10:43
